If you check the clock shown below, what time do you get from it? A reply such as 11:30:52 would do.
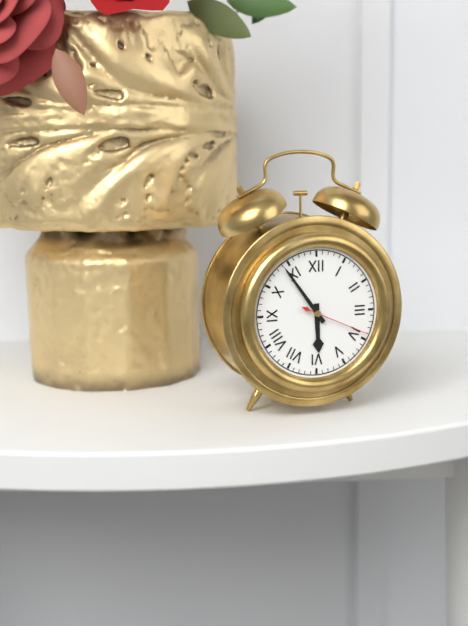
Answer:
5:54:19
